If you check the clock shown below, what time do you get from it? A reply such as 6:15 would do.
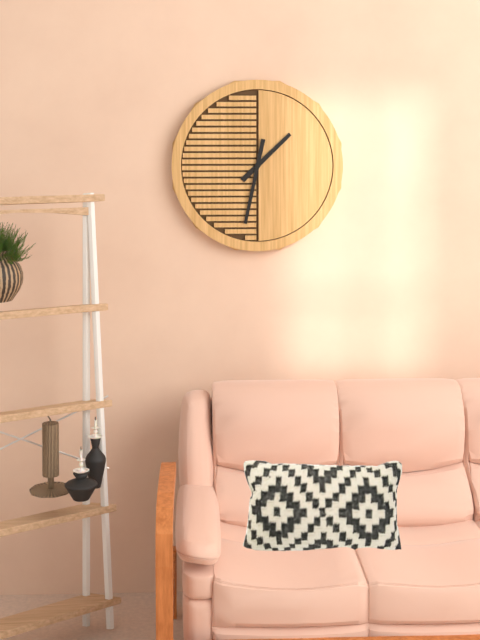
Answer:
1:32
